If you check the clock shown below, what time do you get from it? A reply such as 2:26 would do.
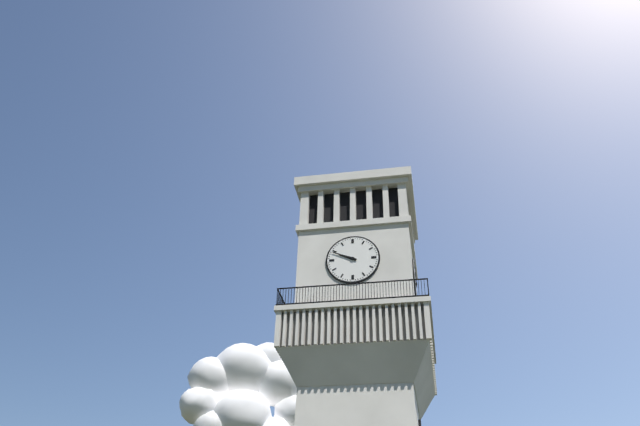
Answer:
9:49
